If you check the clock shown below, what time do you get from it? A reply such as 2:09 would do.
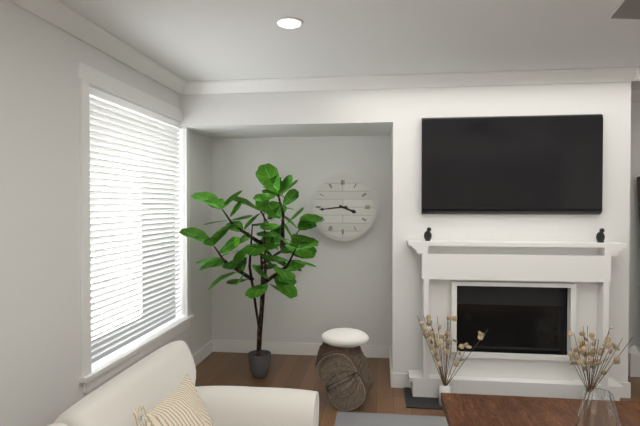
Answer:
3:44
